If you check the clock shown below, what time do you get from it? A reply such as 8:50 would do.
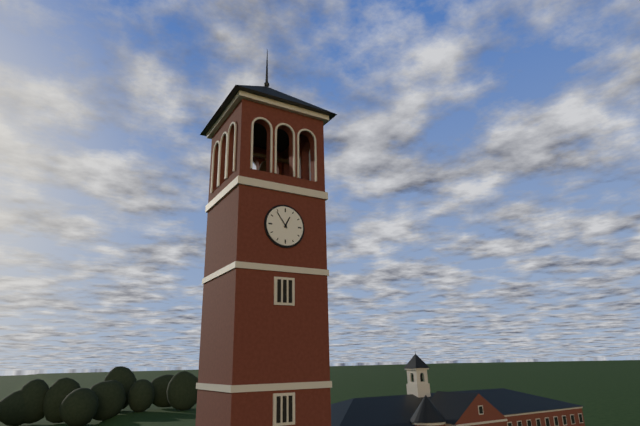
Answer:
12:54
